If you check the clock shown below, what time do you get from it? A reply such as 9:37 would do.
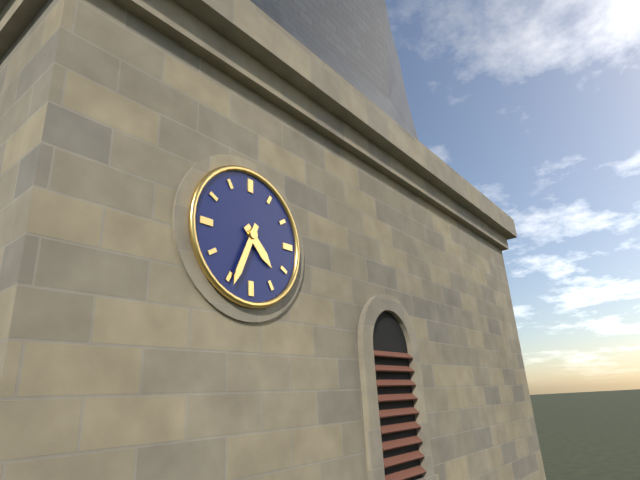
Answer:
4:34
